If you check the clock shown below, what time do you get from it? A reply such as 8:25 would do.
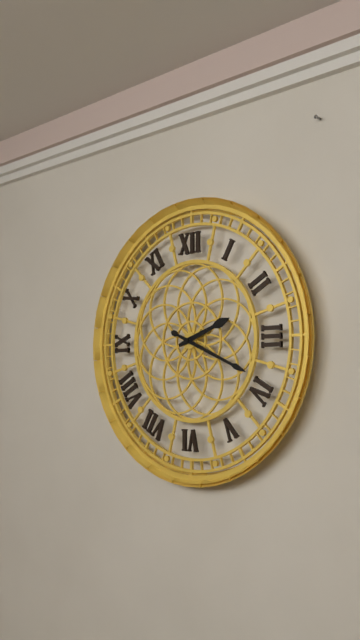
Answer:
2:19
